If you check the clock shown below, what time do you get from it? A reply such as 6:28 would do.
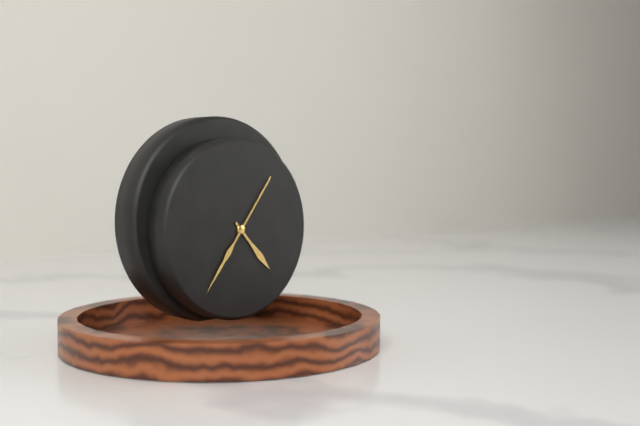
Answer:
4:36
